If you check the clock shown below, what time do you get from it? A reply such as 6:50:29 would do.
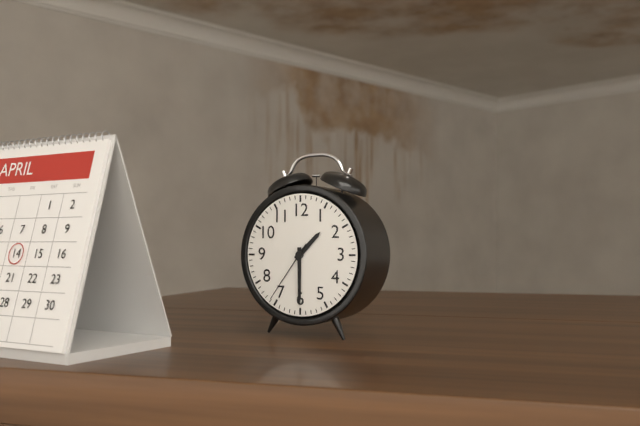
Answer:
1:30:36
